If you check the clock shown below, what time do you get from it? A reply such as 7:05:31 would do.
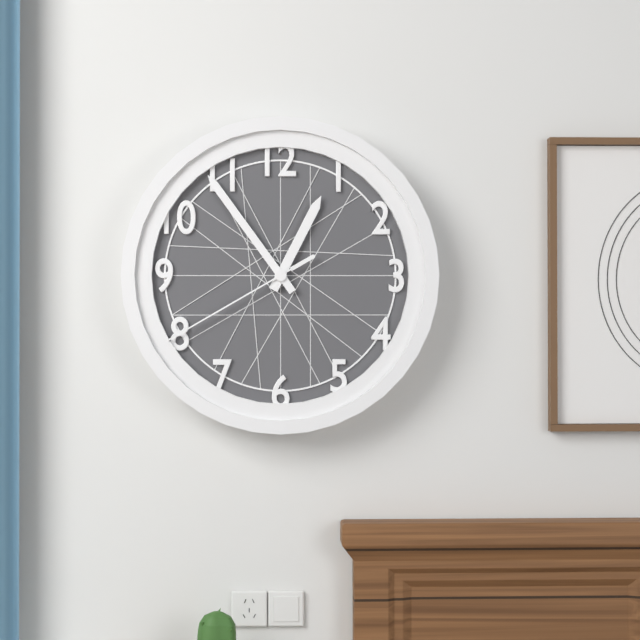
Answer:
12:54:40
